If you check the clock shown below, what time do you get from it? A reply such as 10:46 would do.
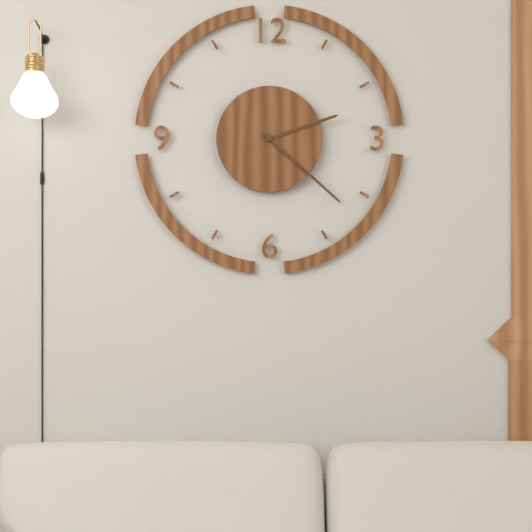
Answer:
2:22
